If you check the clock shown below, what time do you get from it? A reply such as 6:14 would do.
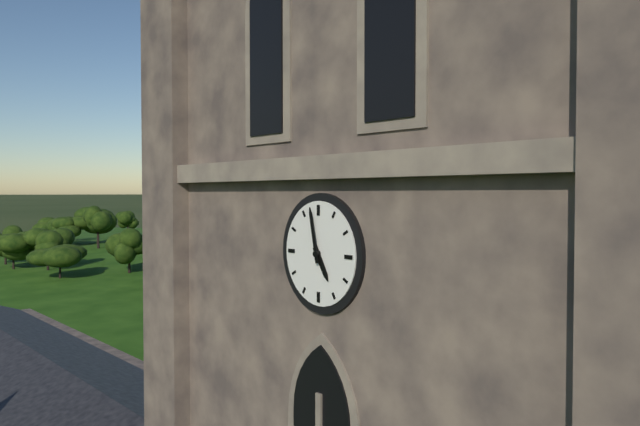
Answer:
4:58
